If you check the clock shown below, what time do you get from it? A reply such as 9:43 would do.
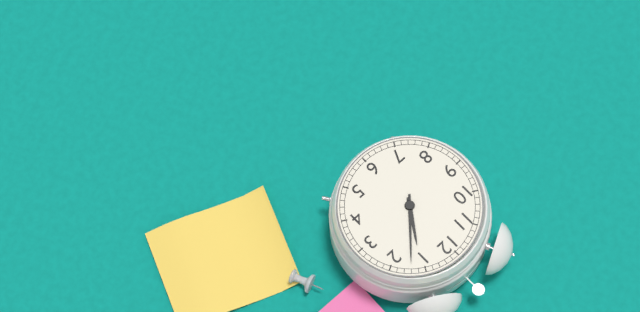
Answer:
1:07
